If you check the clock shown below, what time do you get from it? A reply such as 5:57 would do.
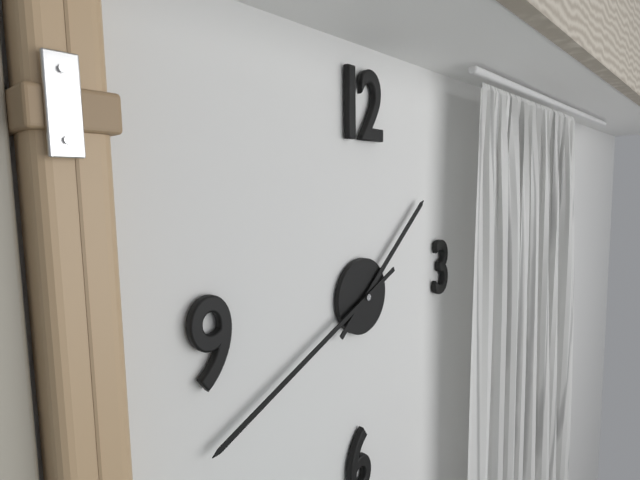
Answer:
1:41
